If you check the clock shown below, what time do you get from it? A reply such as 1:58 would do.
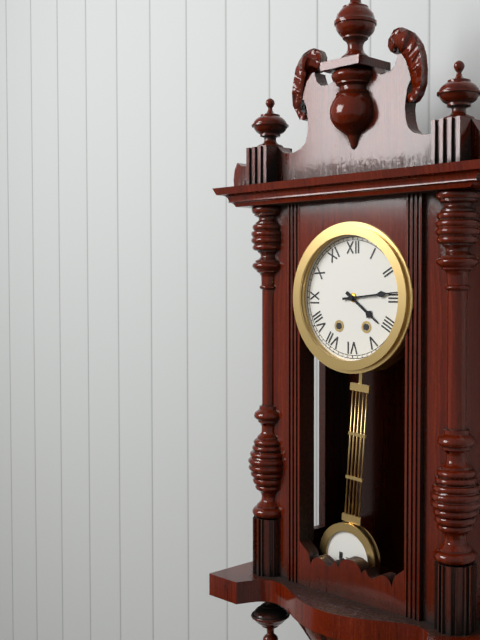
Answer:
4:14
